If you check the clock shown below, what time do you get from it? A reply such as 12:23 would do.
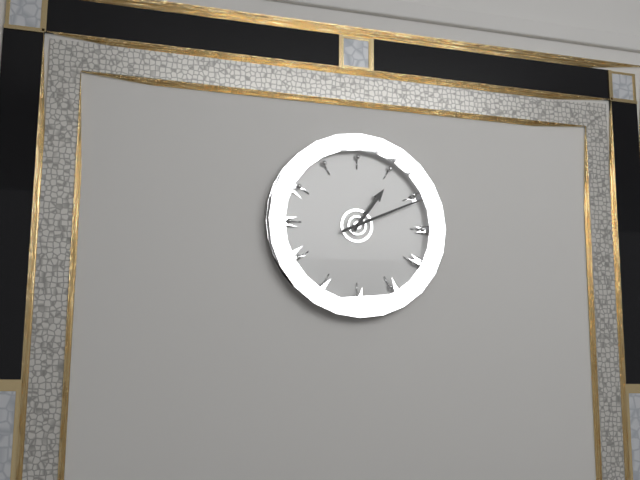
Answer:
1:11
